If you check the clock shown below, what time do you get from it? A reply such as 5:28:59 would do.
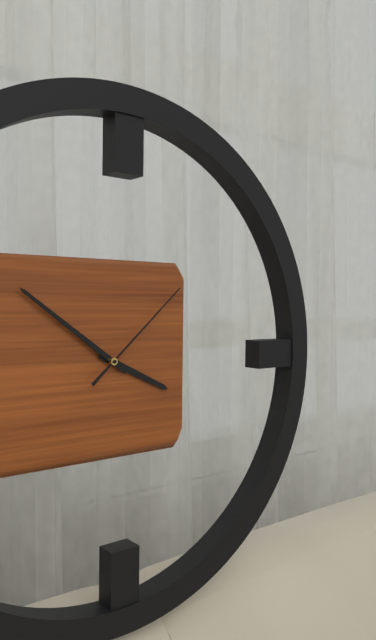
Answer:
3:51:08
